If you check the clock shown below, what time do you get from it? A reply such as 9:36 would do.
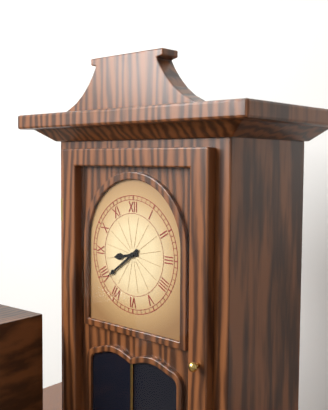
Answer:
8:39
